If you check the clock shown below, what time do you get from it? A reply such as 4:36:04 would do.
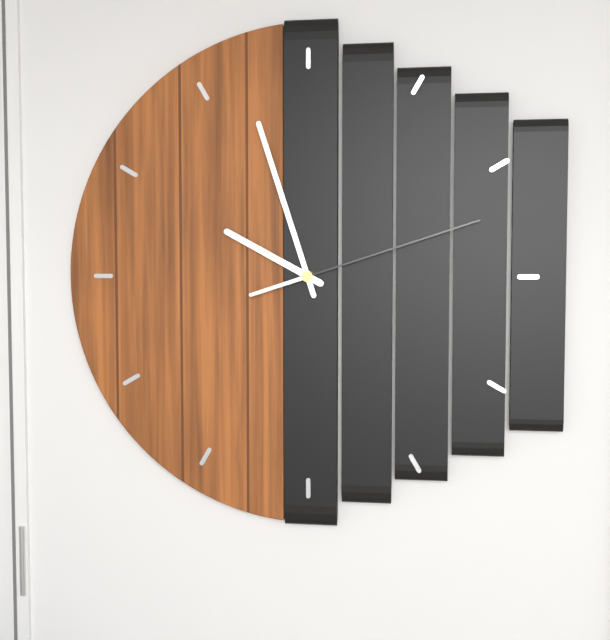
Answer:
9:57:12
